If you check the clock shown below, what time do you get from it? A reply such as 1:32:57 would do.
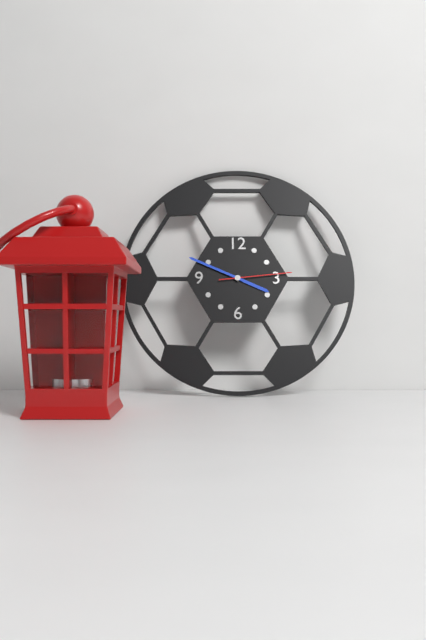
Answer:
3:49:14
